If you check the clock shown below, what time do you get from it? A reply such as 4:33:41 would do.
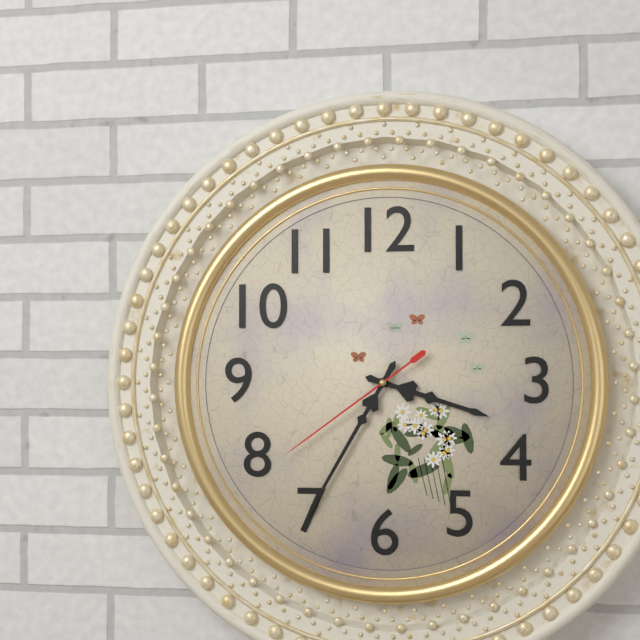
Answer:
3:35:39
